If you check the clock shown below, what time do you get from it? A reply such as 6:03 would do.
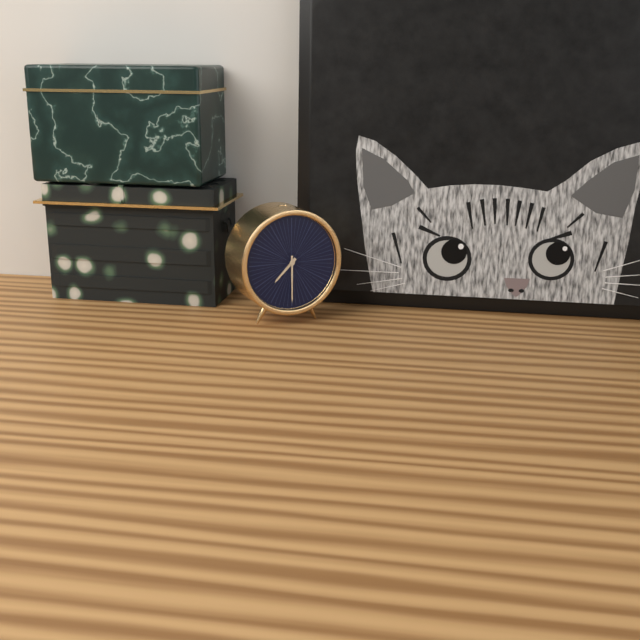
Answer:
7:30
